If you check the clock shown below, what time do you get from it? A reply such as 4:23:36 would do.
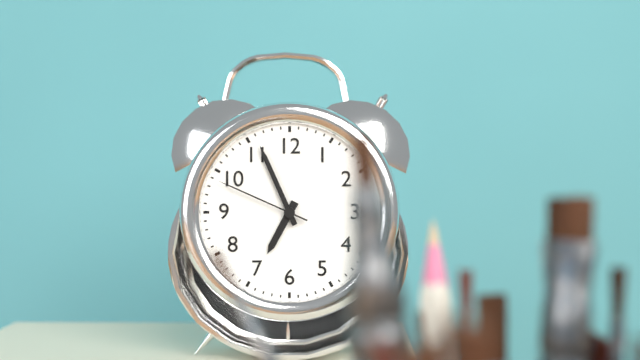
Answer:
6:56:49
